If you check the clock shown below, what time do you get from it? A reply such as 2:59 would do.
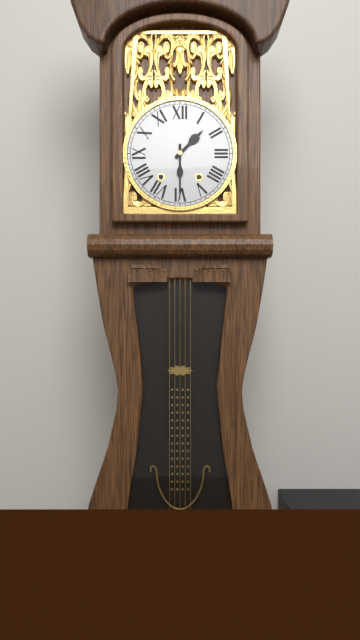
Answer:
1:30
